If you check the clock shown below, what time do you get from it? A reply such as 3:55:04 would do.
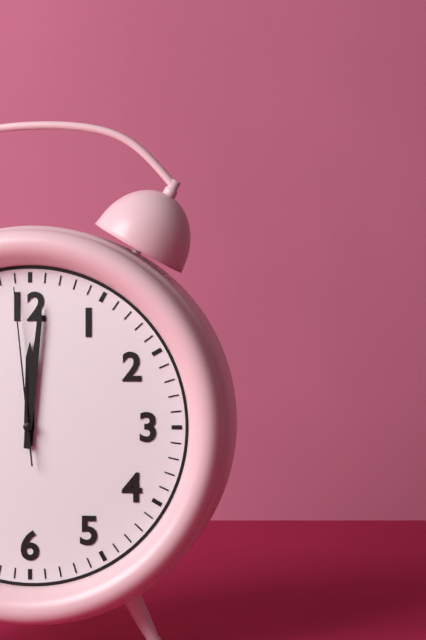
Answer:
12:01:59
